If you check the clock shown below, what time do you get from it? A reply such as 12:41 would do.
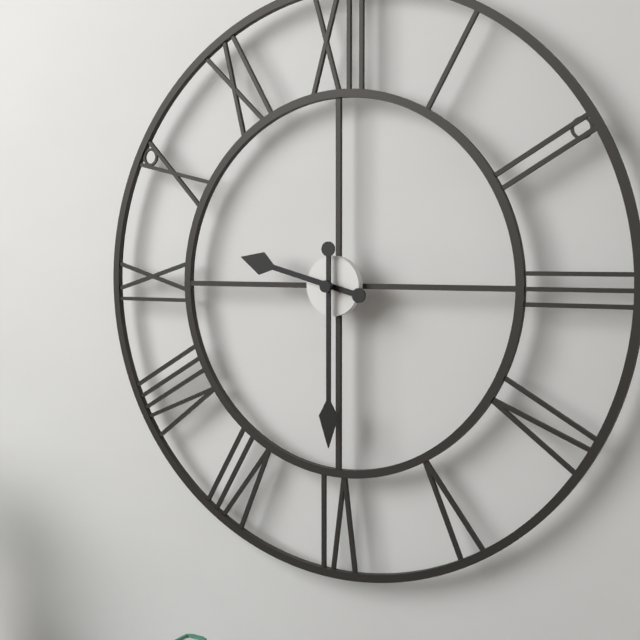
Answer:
9:30
